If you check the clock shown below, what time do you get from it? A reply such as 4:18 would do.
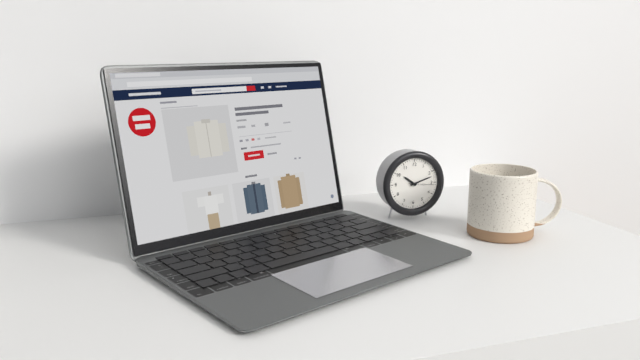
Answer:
10:12
